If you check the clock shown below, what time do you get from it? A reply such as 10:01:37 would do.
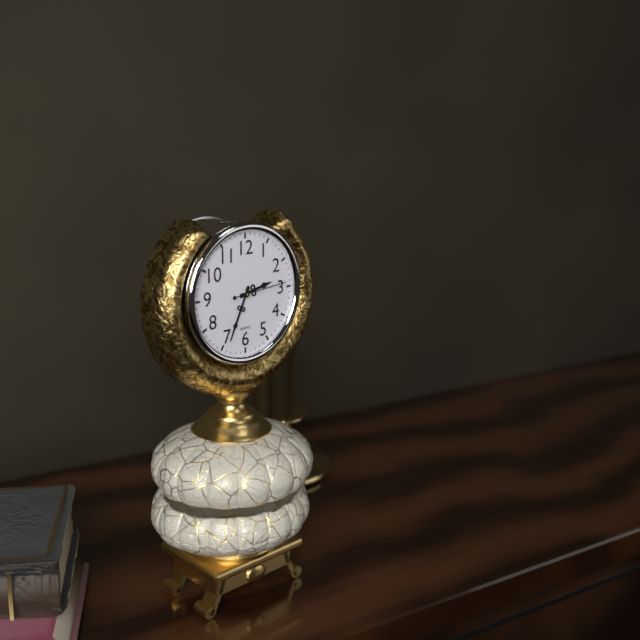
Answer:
2:34:14
